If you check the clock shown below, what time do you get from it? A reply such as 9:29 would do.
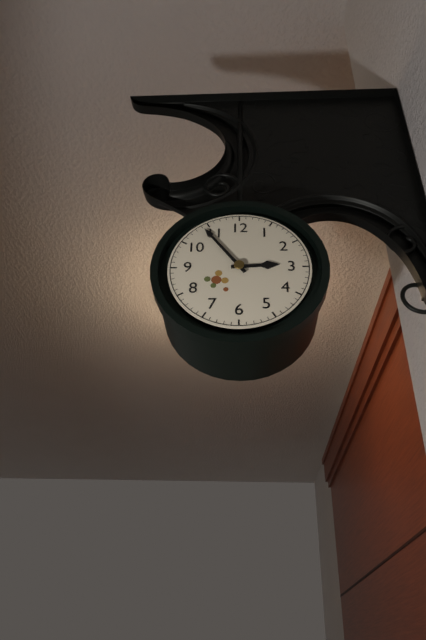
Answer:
2:54
